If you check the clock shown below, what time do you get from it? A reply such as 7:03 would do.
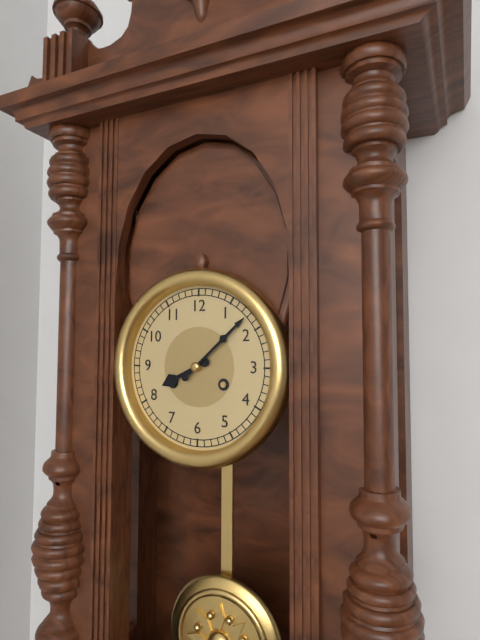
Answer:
8:08
